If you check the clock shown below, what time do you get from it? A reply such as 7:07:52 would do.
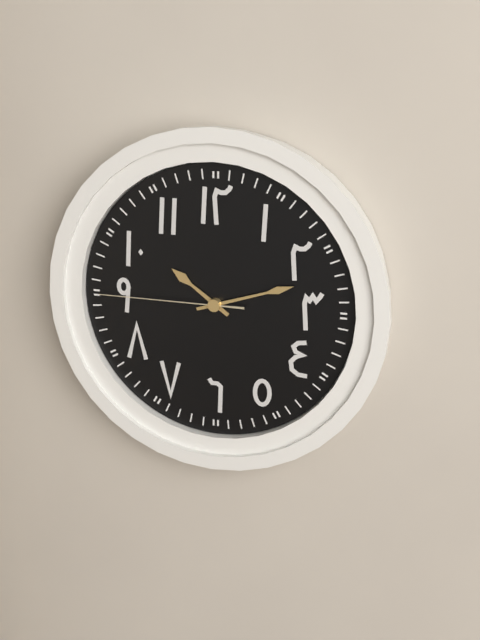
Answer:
10:12:45
